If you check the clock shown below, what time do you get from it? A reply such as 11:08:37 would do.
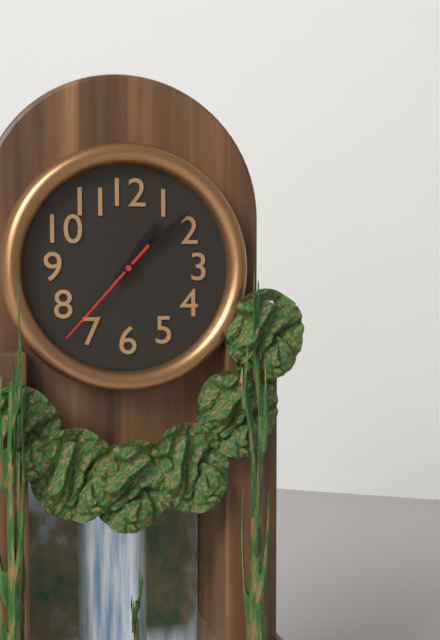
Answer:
1:08:37
